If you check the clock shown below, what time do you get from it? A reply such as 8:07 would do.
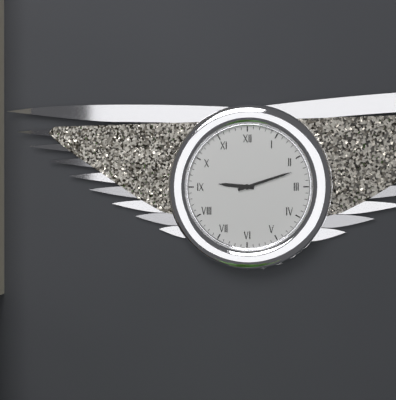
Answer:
9:12
